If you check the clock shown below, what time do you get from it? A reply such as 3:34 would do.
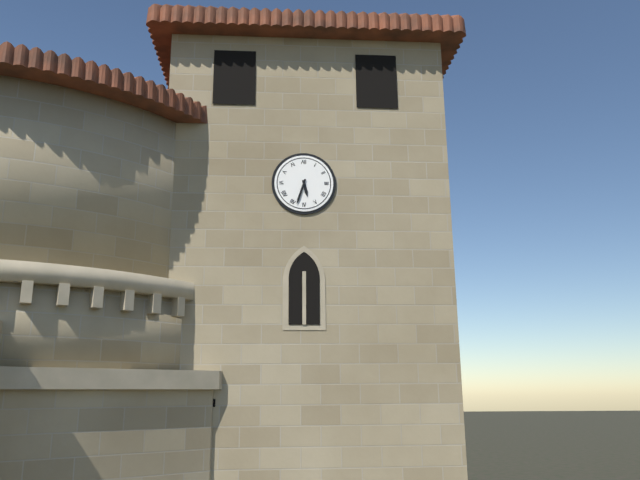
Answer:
5:33
